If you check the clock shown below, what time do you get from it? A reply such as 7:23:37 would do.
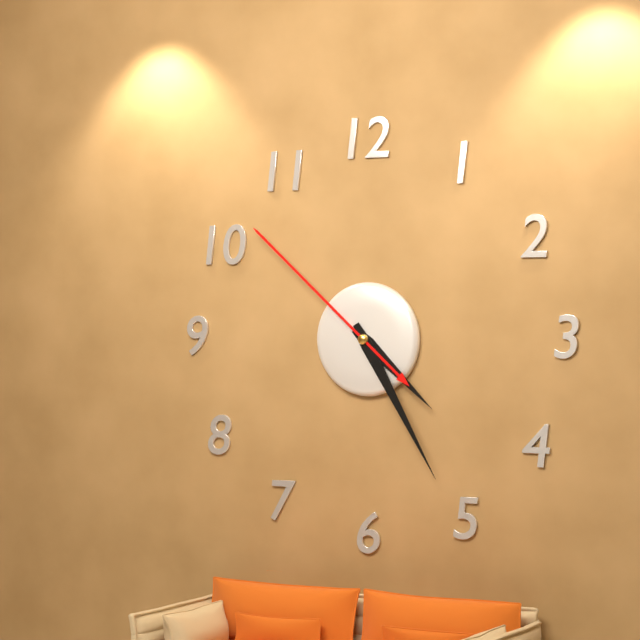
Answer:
4:25:52
